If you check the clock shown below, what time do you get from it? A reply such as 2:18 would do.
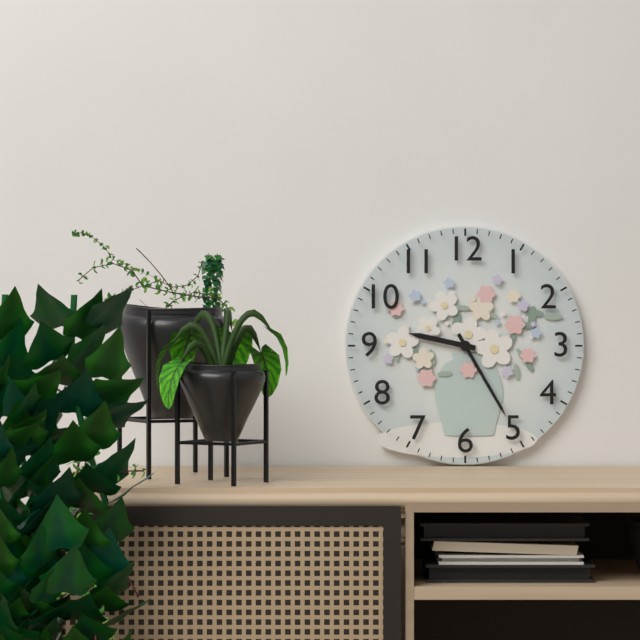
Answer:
9:25
